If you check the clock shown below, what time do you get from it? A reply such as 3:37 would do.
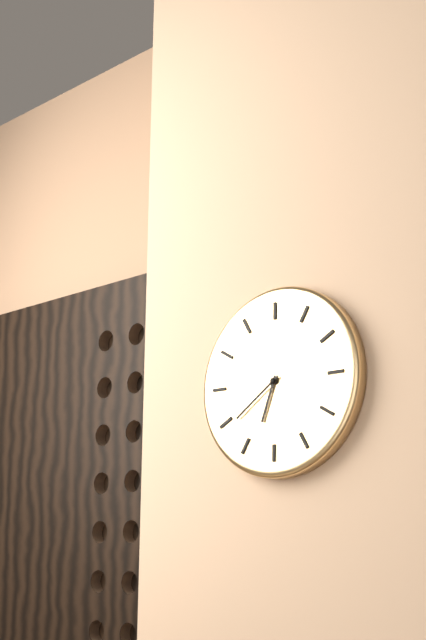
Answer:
6:39
